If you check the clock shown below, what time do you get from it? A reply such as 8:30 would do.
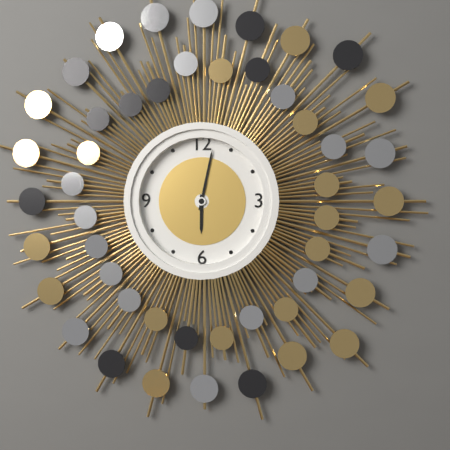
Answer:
6:02
